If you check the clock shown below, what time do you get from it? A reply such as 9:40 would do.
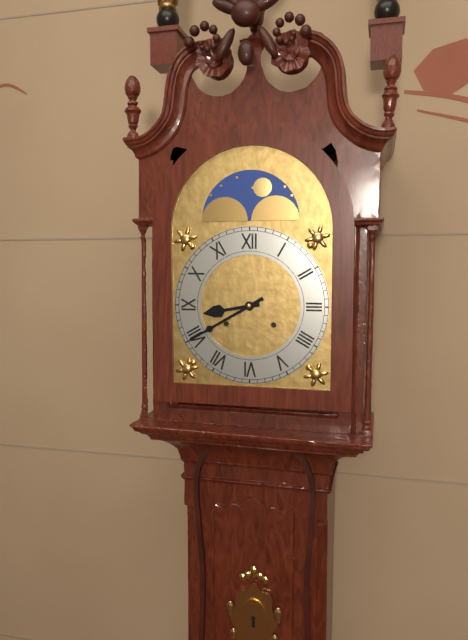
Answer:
8:40
